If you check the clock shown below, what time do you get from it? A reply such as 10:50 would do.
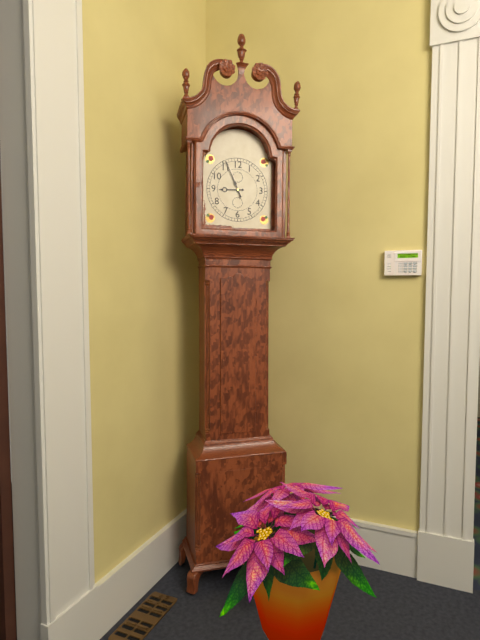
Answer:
8:56
